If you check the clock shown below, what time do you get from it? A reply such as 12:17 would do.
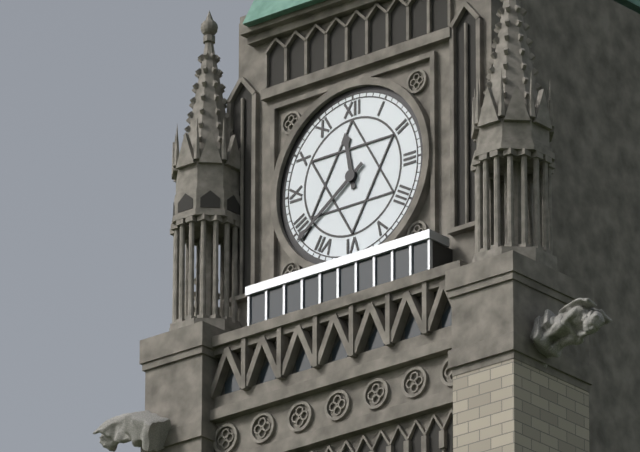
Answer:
11:39
